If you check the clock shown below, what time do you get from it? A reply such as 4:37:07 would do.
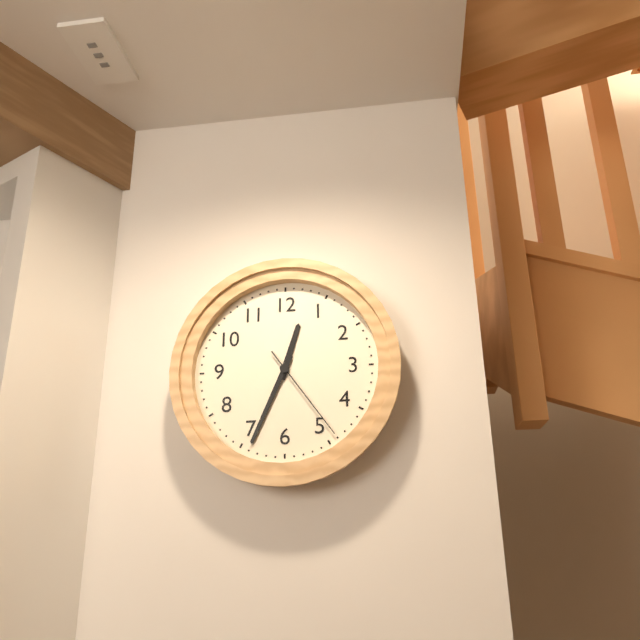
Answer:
12:34:24
